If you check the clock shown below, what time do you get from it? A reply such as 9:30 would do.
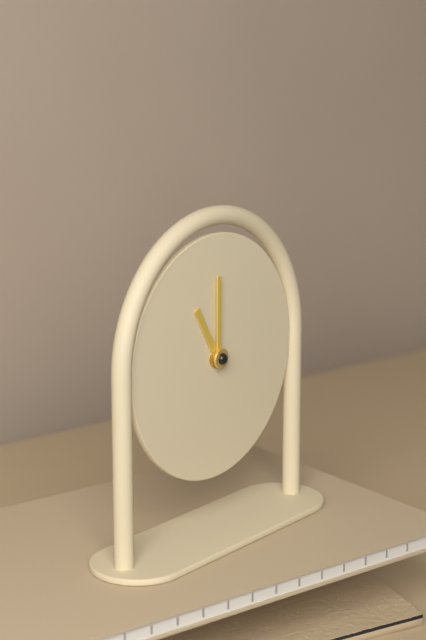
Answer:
11:00
